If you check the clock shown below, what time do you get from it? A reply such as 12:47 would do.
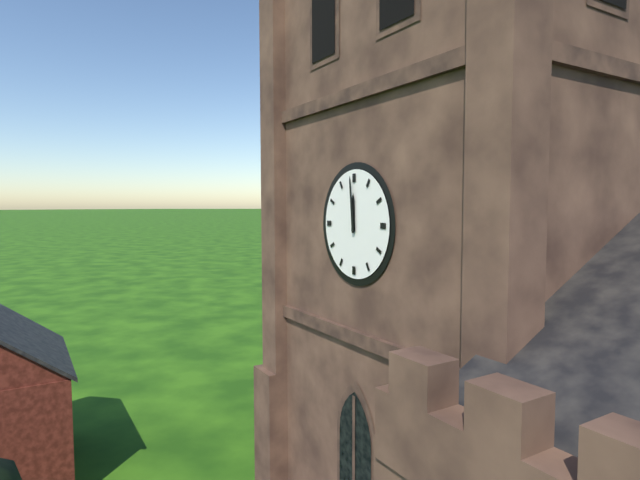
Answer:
11:59
